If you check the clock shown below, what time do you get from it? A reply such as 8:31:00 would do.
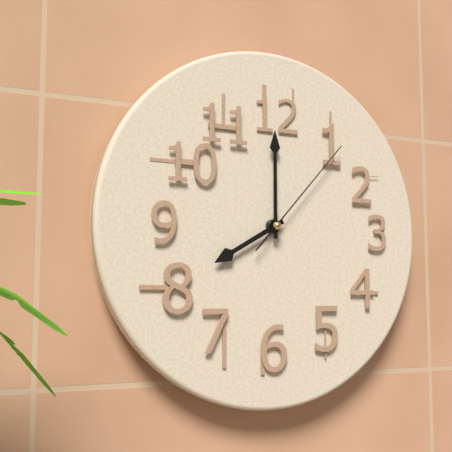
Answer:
8:00:07
